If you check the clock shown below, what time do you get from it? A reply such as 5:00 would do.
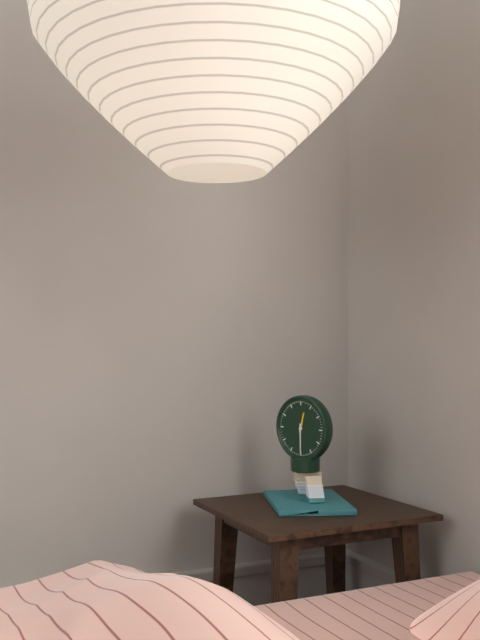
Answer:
12:30
